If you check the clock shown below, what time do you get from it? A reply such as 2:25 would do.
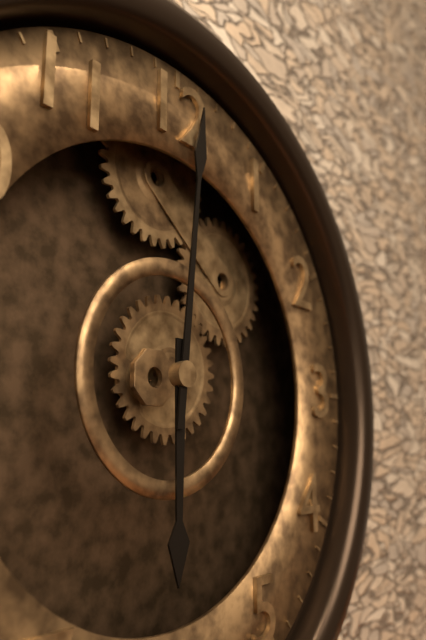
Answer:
6:01
